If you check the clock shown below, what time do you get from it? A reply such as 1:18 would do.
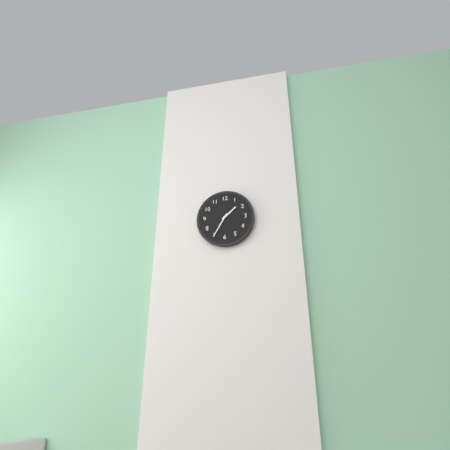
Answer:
1:35
